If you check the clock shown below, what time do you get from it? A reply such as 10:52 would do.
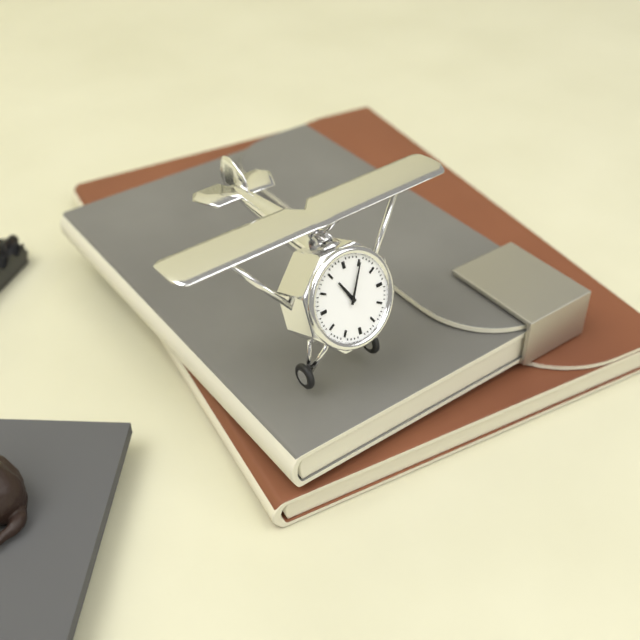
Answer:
11:05
